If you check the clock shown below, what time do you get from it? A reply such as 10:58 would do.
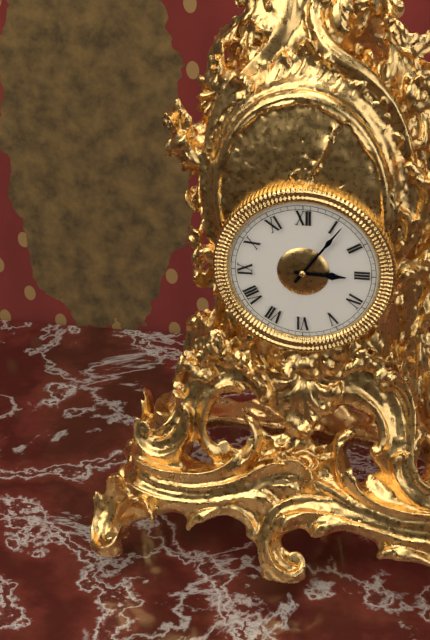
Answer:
3:06
